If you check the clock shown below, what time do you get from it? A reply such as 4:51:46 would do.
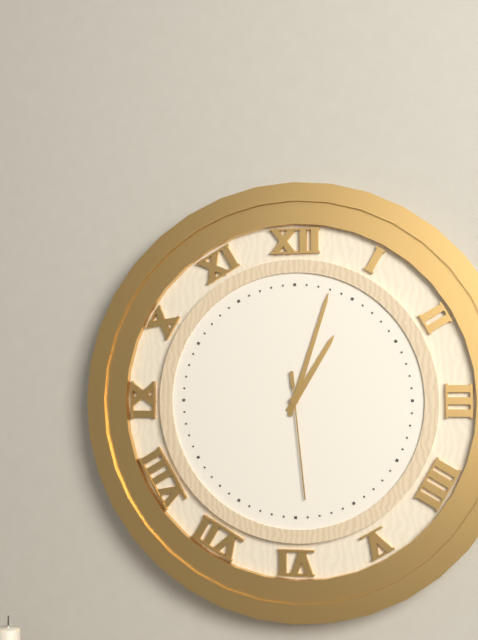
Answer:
1:03:29
